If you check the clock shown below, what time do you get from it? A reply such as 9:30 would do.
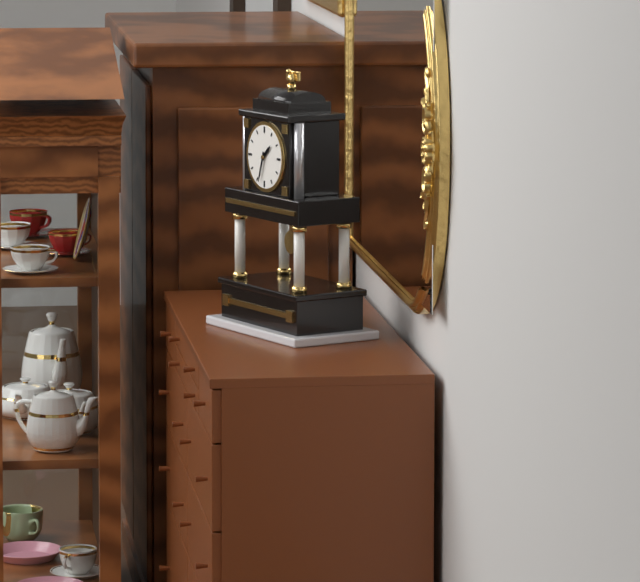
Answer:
1:33
